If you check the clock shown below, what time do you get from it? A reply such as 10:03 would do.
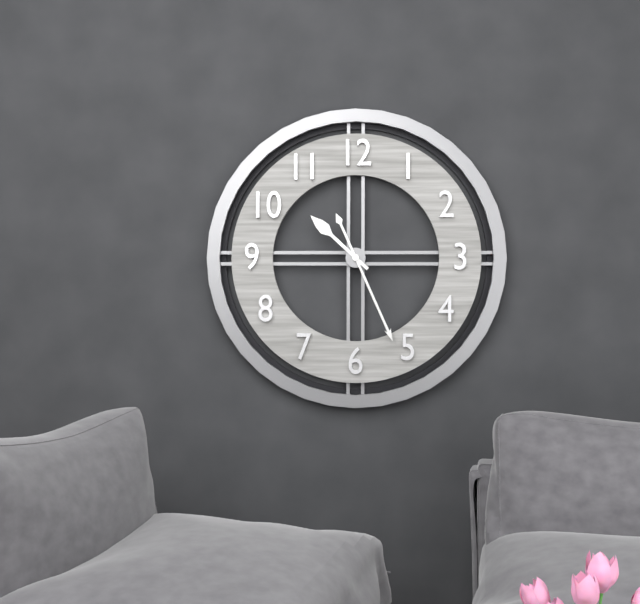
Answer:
10:26
